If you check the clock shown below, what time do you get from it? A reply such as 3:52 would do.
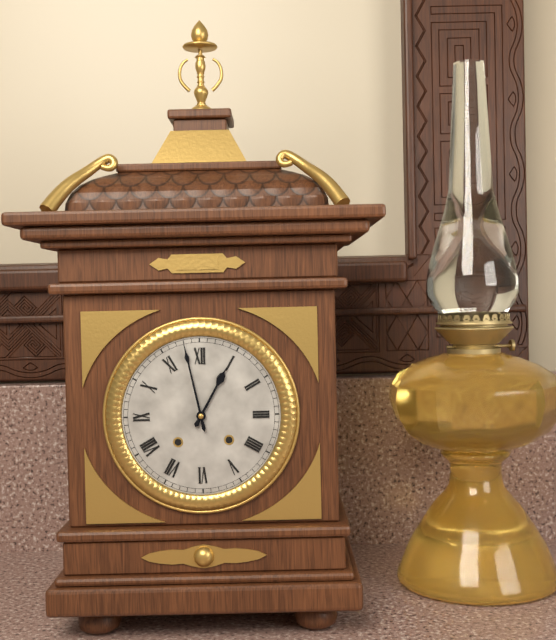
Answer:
12:58
